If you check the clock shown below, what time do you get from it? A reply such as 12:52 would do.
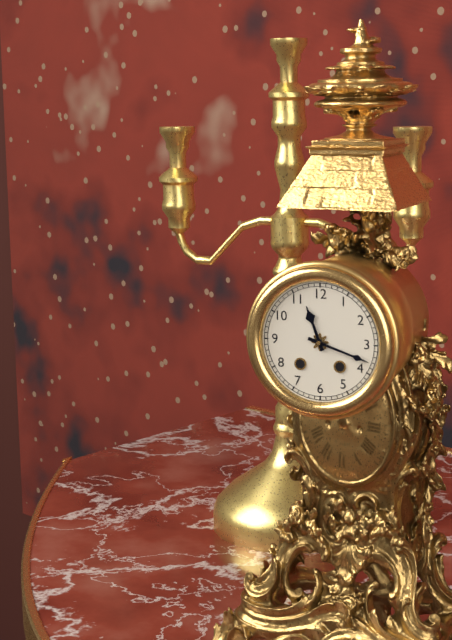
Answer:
11:18
